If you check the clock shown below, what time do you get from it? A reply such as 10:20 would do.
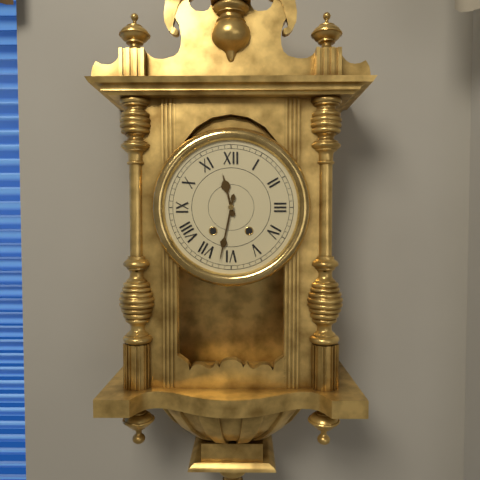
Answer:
11:32
